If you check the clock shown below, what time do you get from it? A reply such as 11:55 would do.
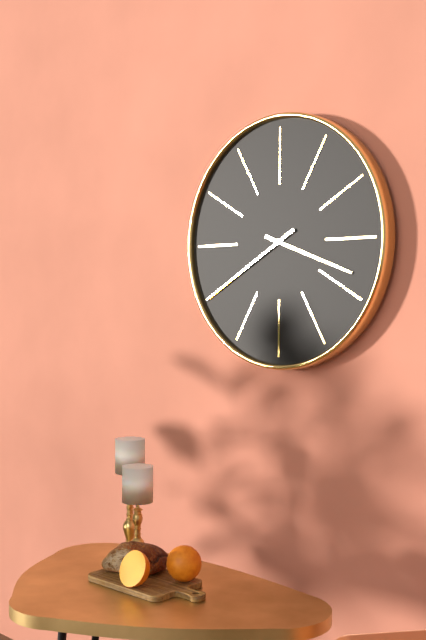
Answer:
3:40
